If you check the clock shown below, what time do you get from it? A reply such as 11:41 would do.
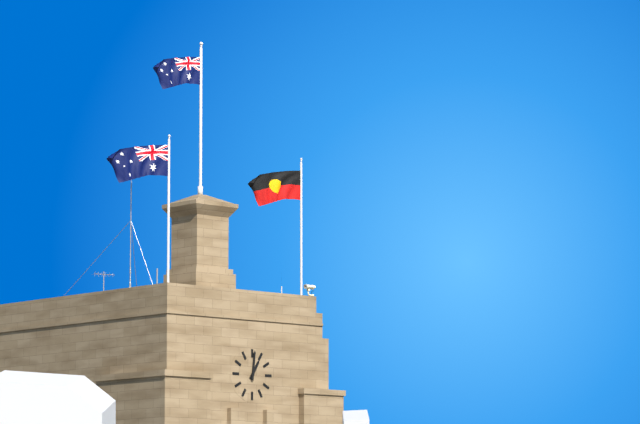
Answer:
1:01
